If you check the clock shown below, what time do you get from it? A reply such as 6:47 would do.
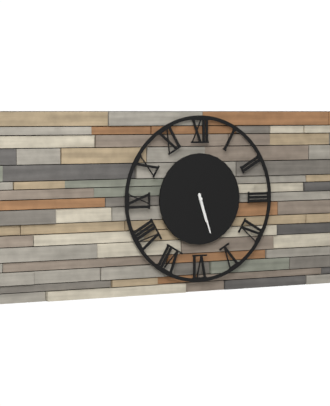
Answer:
5:27
